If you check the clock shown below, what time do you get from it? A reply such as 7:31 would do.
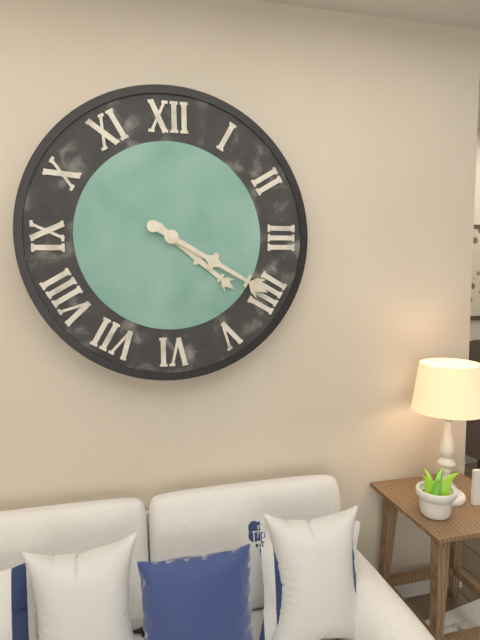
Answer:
4:20
